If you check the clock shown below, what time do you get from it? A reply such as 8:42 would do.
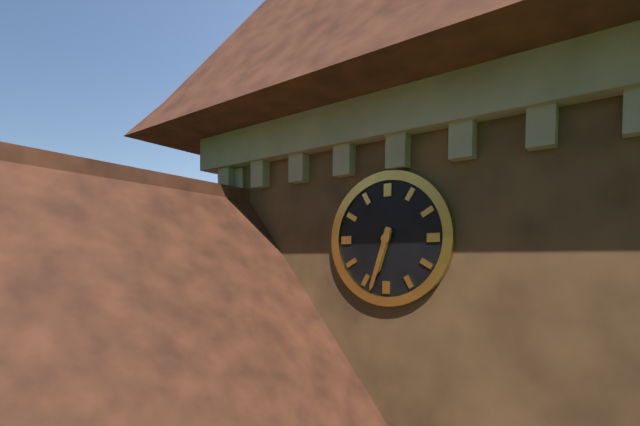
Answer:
6:33
